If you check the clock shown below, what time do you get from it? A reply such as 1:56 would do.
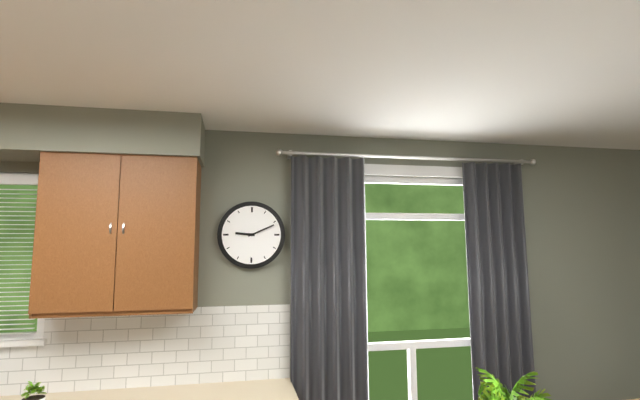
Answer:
9:11
